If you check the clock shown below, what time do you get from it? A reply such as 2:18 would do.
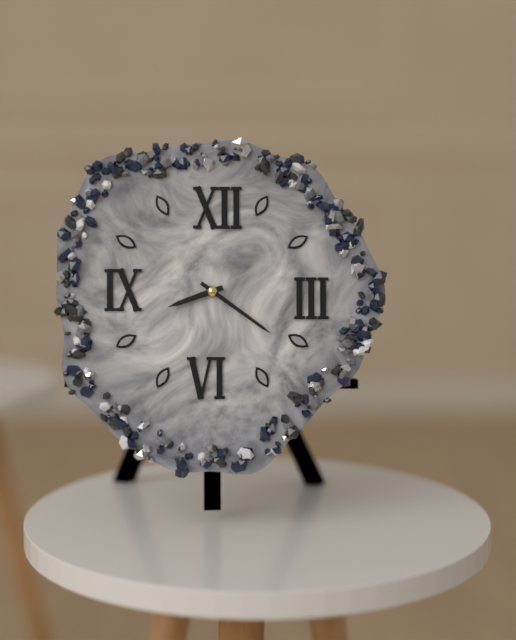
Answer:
8:21
